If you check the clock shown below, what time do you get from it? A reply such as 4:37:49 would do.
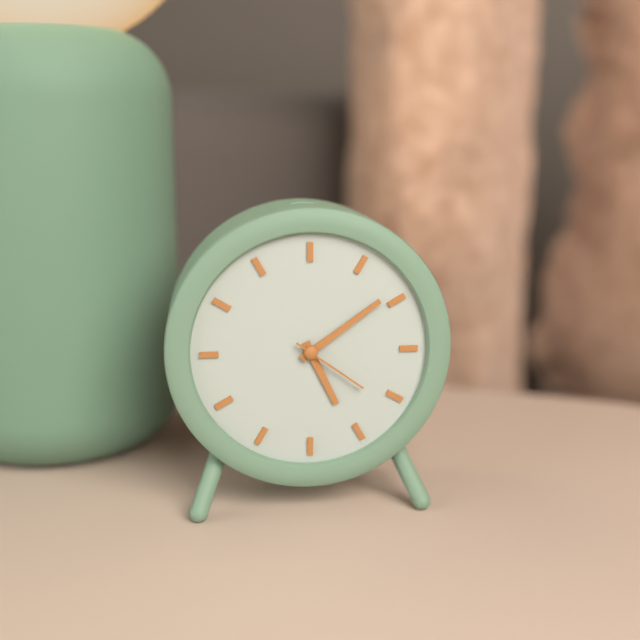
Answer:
5:09:21
